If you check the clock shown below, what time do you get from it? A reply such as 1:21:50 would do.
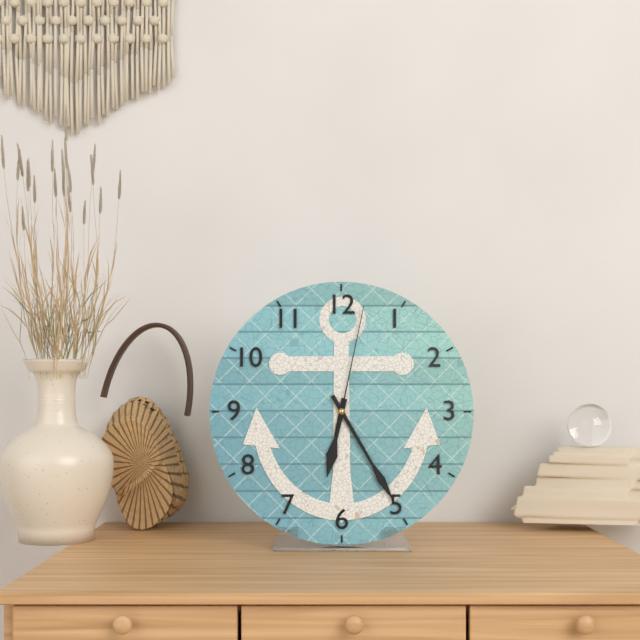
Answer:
6:25:02
